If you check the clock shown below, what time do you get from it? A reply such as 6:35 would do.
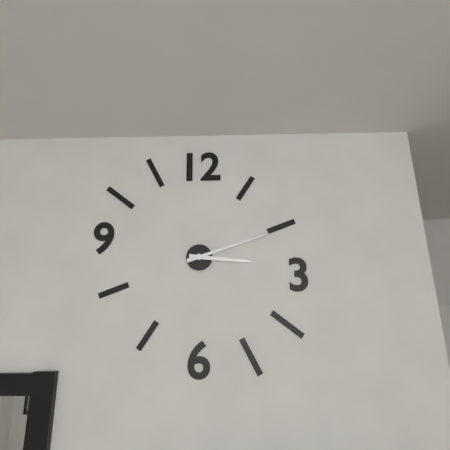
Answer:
3:12
